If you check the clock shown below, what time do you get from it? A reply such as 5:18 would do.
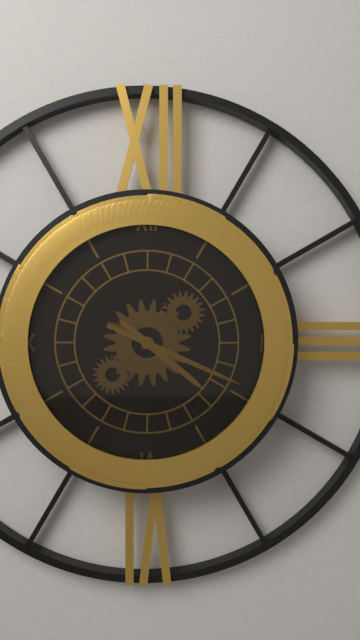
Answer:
4:19
